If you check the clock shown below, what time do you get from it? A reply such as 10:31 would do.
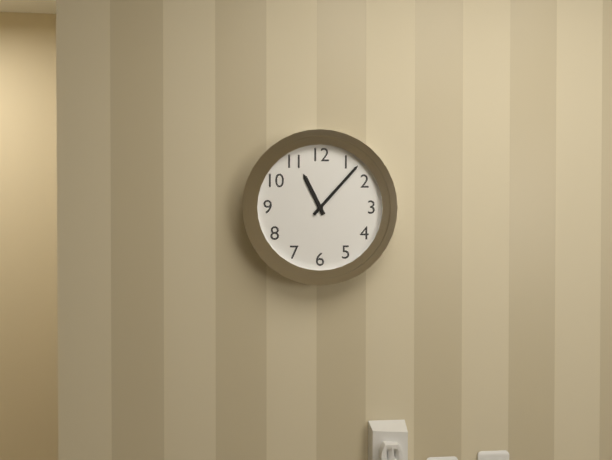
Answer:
11:07
